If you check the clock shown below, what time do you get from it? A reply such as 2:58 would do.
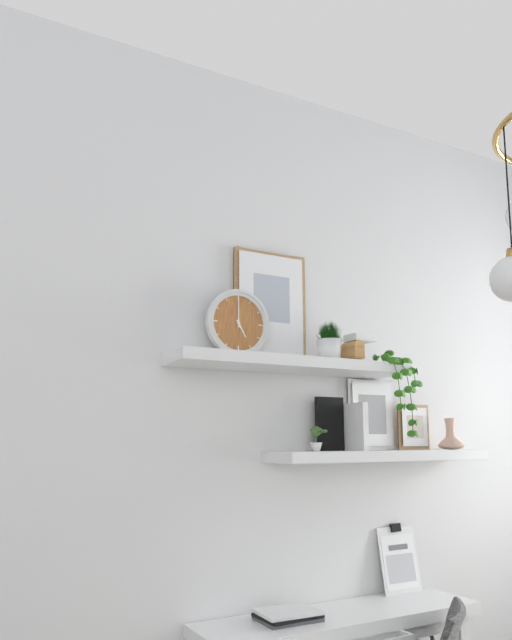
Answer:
5:00
